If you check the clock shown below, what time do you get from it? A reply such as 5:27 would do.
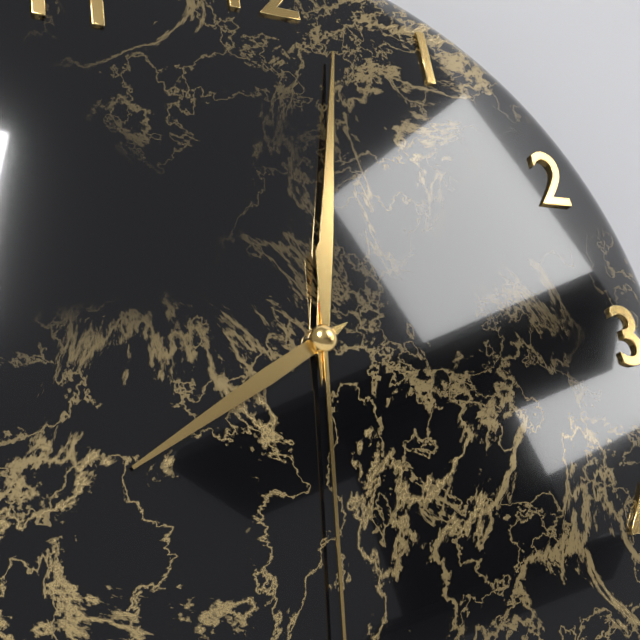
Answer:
8:02
